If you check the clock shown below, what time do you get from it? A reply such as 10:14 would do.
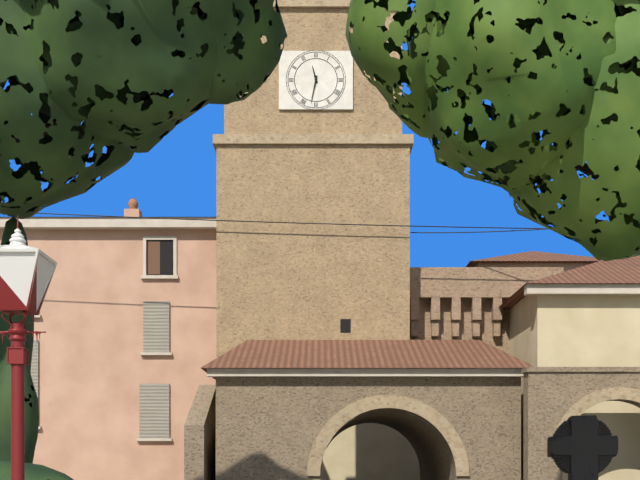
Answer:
11:32
